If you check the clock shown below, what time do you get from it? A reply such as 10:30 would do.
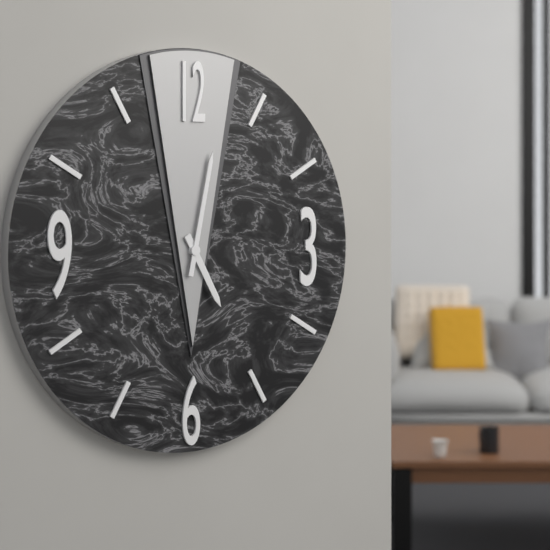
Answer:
5:02
